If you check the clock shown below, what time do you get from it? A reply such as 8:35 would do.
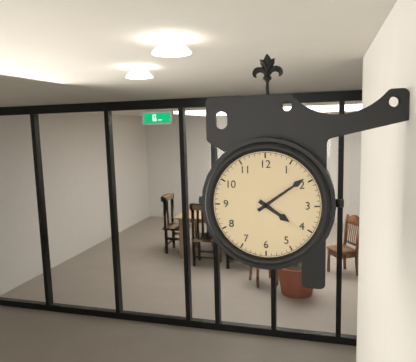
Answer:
4:09
